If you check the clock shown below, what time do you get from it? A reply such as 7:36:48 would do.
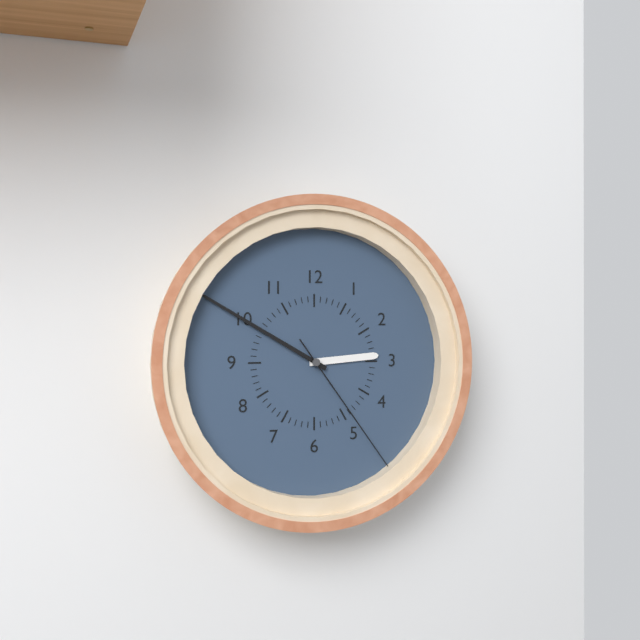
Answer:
2:50:24
